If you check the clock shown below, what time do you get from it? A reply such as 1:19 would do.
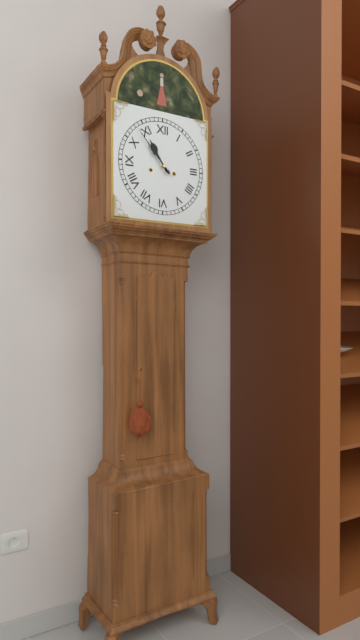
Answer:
10:53
